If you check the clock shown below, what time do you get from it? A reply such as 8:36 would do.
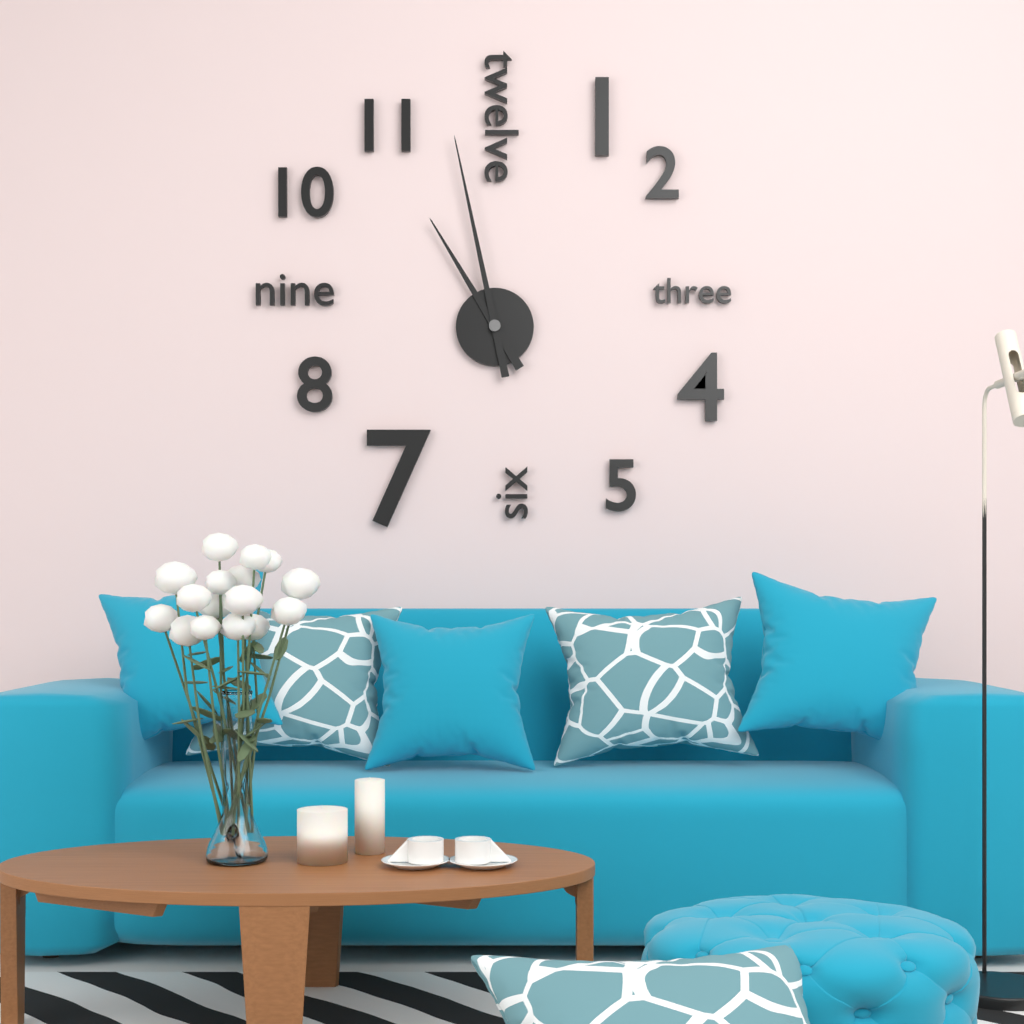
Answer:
10:58
